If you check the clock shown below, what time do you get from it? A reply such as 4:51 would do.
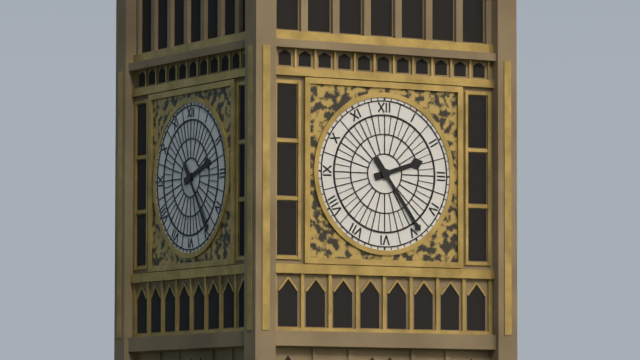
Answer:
2:24
